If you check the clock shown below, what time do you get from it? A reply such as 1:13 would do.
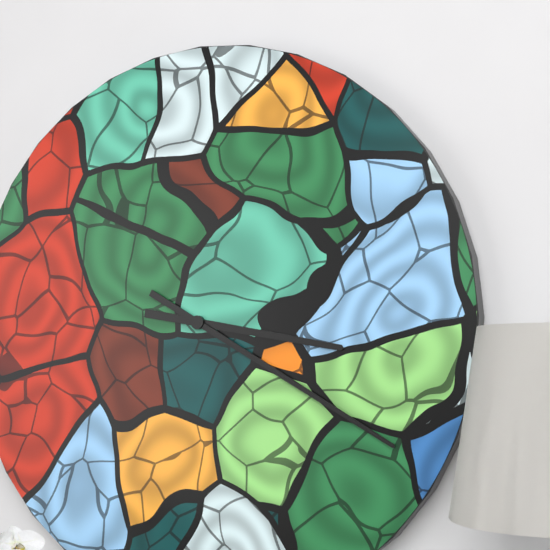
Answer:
3:20
